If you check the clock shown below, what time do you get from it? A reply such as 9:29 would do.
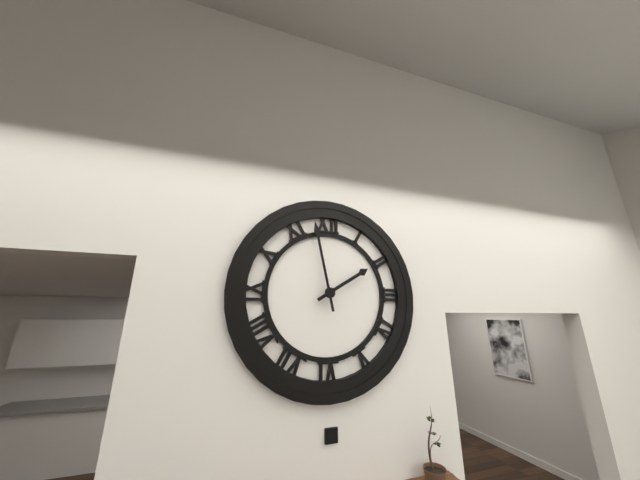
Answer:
1:58
